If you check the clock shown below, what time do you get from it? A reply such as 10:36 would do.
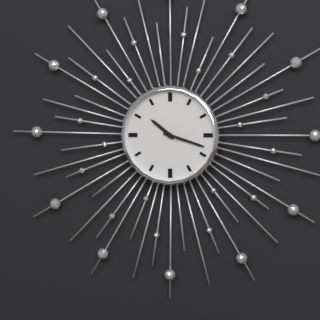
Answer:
10:18
